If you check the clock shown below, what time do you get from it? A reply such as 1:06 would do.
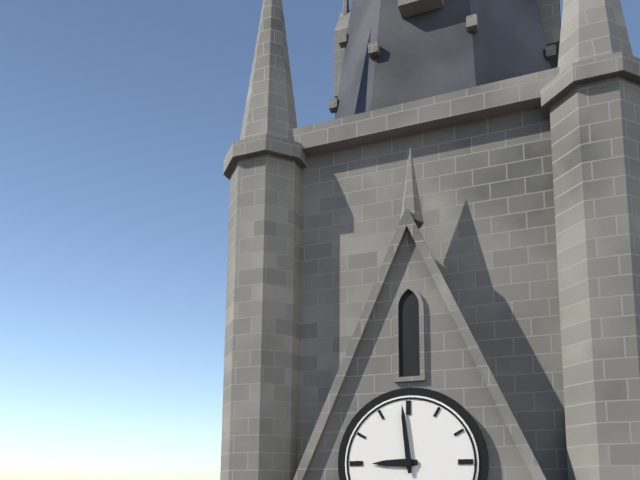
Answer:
8:59
